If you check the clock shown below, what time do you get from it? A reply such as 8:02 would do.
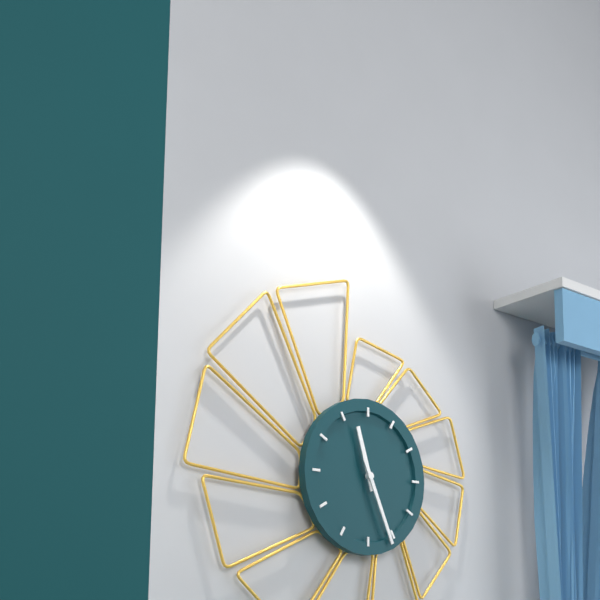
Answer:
11:26
